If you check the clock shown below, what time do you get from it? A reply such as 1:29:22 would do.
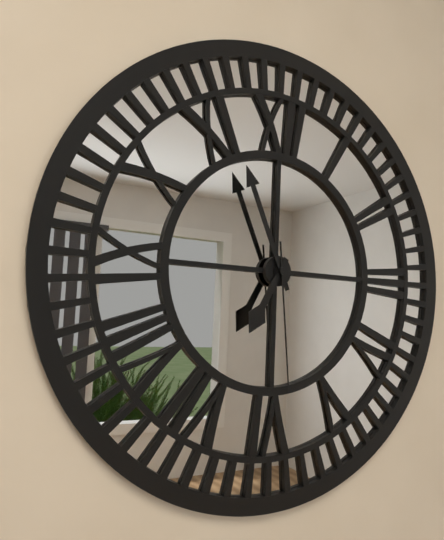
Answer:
6:56:29
